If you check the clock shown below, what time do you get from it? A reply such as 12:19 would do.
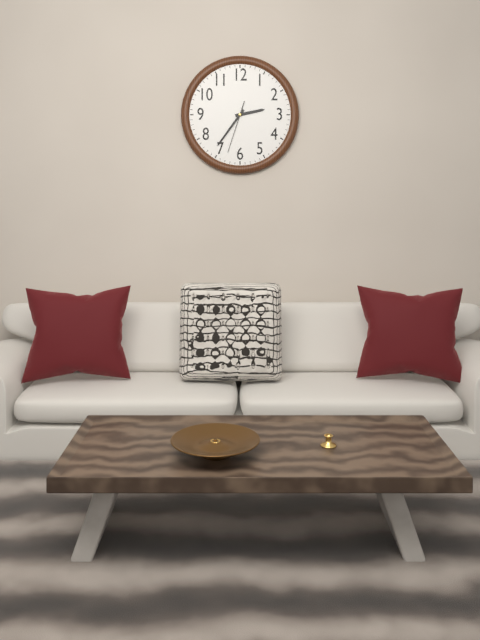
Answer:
2:36
